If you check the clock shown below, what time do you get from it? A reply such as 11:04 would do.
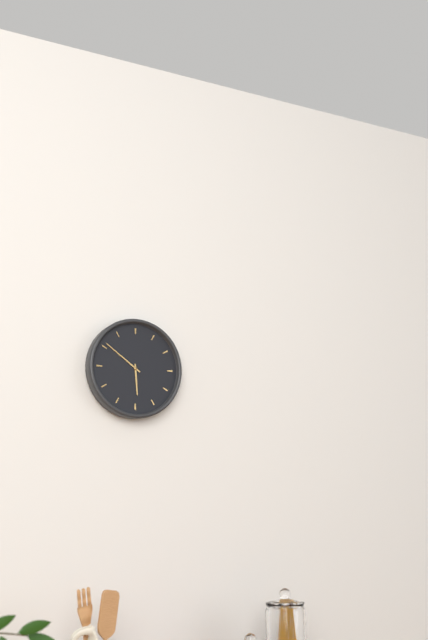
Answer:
5:51
